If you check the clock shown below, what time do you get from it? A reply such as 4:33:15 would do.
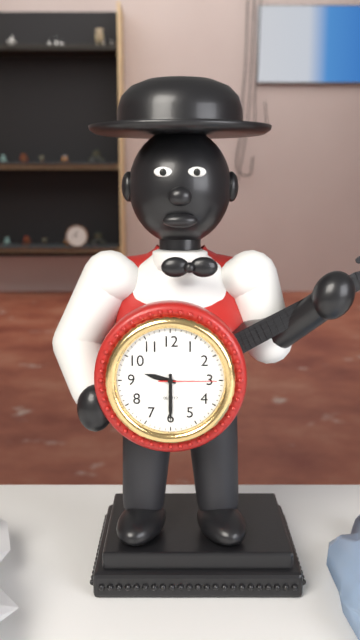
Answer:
9:30:15
